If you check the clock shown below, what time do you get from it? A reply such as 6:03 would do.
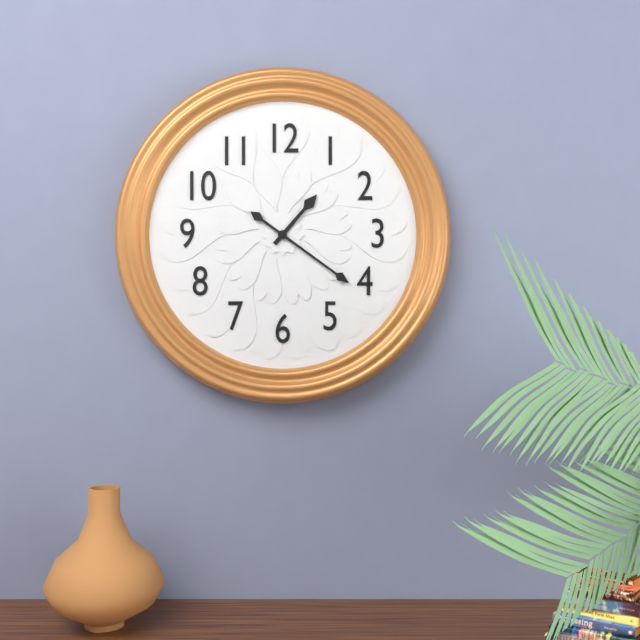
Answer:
1:21
